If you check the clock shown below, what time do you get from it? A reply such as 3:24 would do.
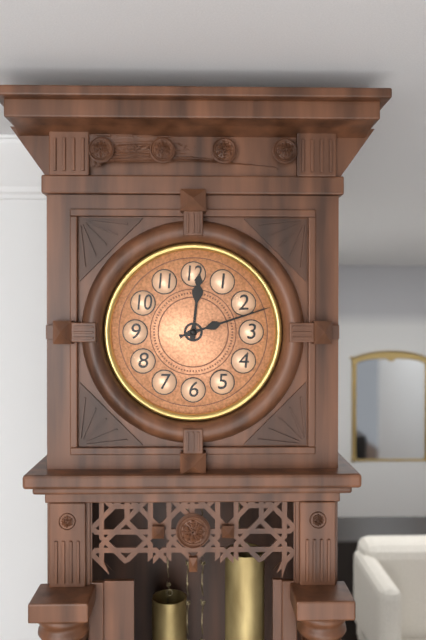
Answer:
12:12
